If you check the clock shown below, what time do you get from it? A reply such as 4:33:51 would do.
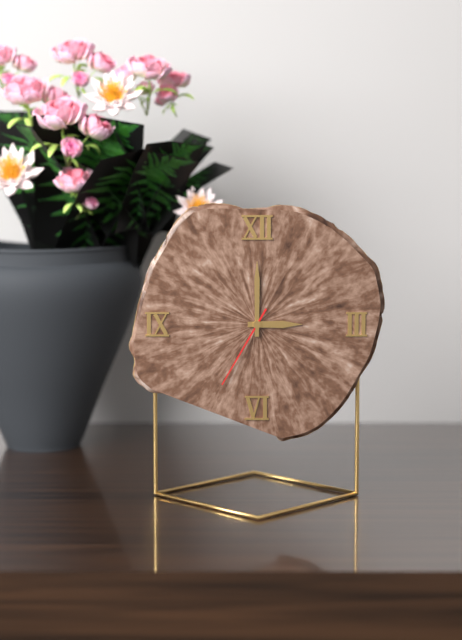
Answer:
3:00:35
